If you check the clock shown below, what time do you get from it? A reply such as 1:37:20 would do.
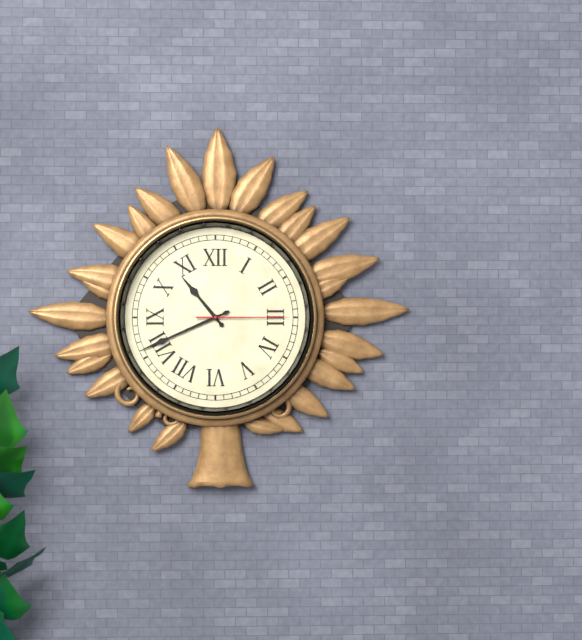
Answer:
10:41:15
